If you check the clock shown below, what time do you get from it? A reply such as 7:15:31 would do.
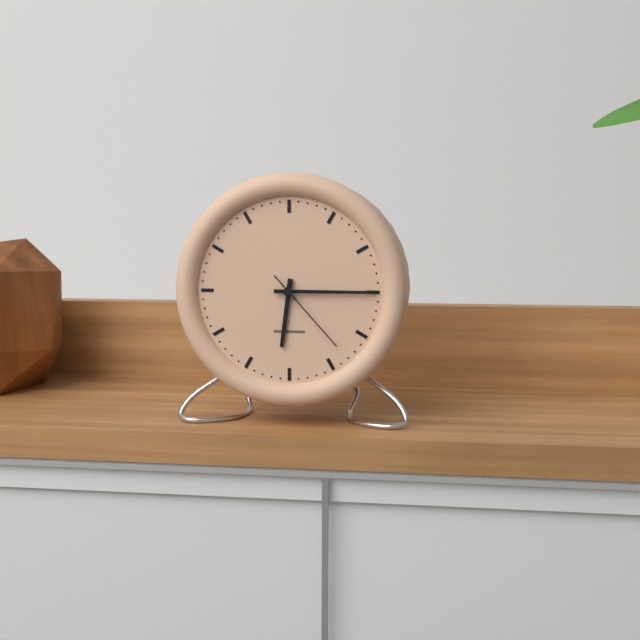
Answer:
6:15:23
